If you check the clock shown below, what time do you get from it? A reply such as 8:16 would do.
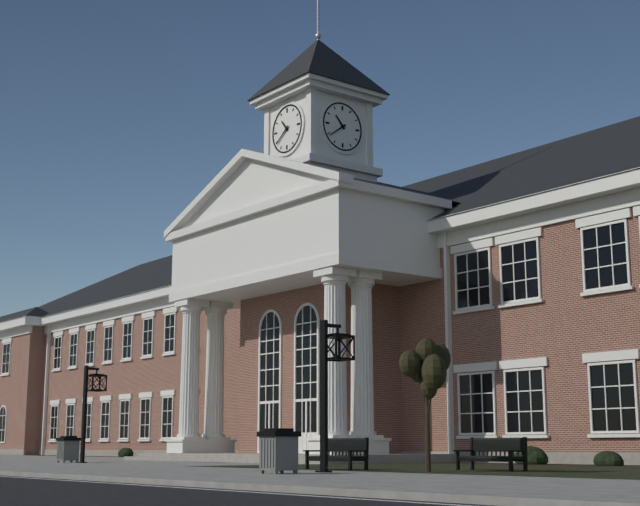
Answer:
10:39
